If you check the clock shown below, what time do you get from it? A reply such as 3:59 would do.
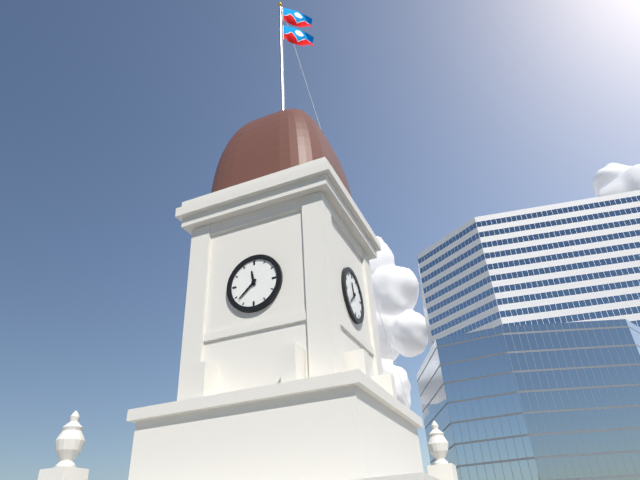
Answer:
11:38
